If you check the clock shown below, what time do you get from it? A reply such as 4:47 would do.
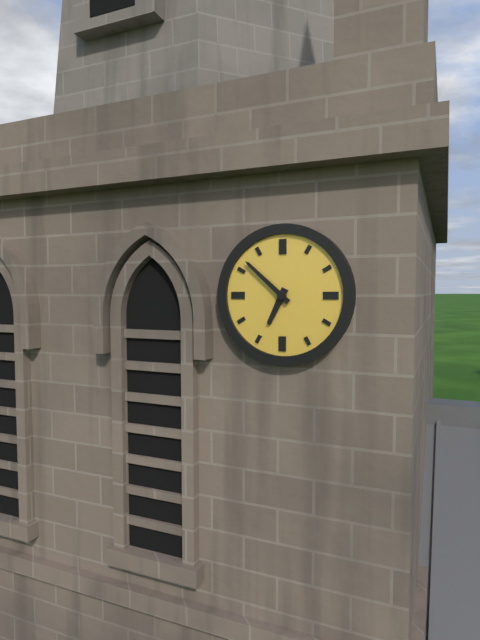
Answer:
6:52
